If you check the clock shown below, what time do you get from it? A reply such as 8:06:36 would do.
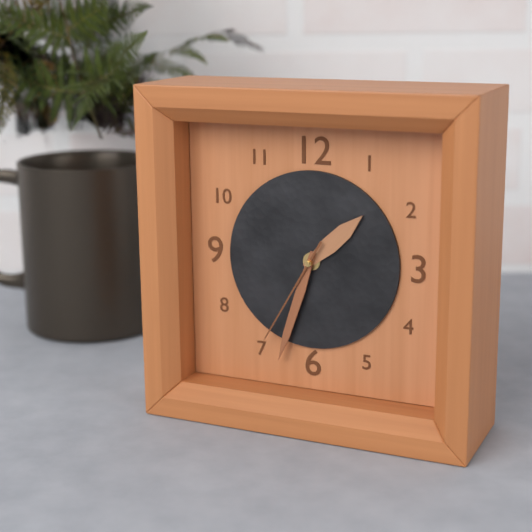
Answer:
1:33:35
